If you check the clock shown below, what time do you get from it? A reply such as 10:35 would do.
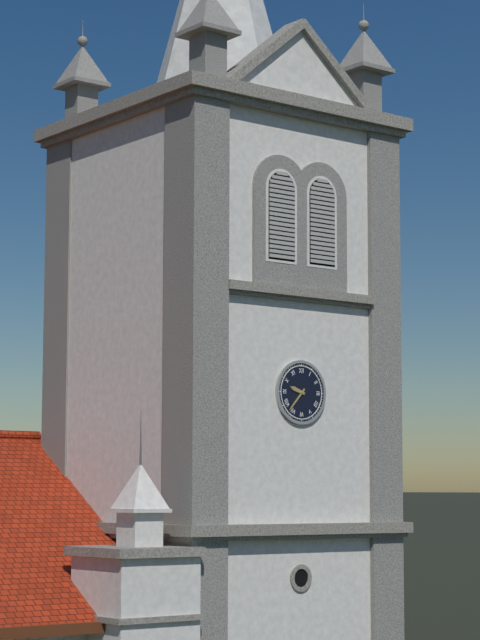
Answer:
9:37
